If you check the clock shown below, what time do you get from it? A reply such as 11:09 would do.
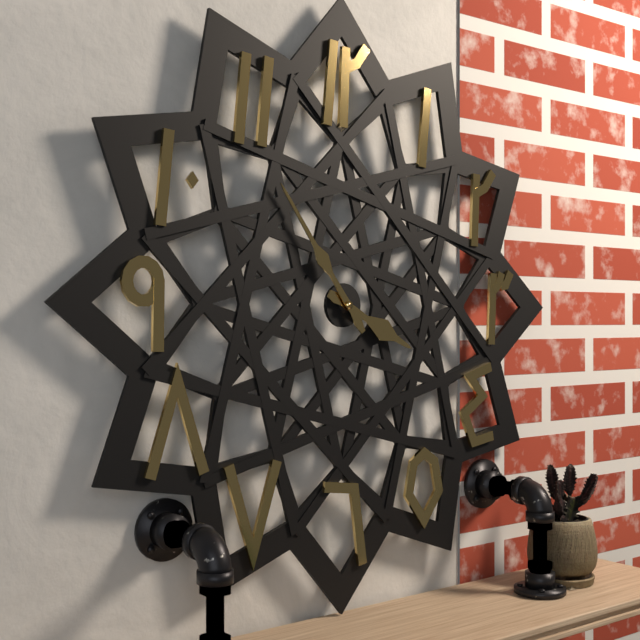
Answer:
3:54
